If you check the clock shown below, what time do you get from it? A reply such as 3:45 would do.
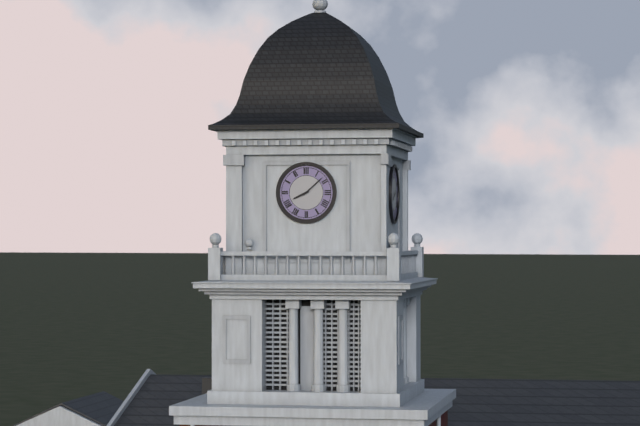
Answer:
8:08
